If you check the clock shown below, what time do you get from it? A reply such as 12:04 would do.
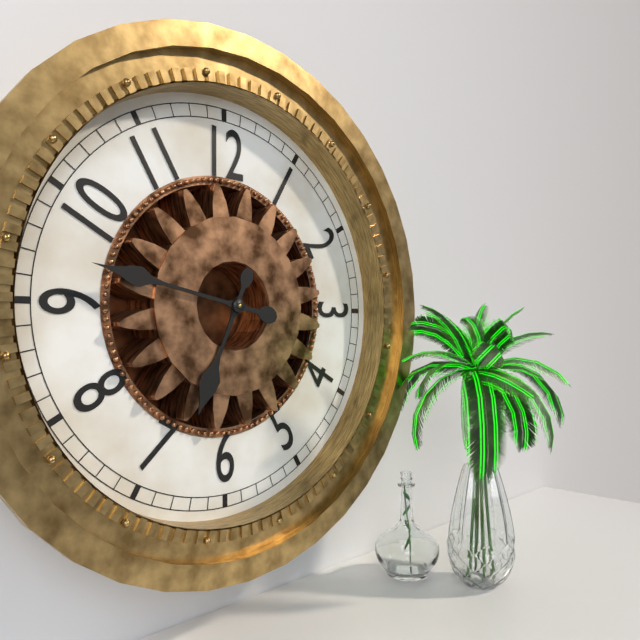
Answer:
6:47
